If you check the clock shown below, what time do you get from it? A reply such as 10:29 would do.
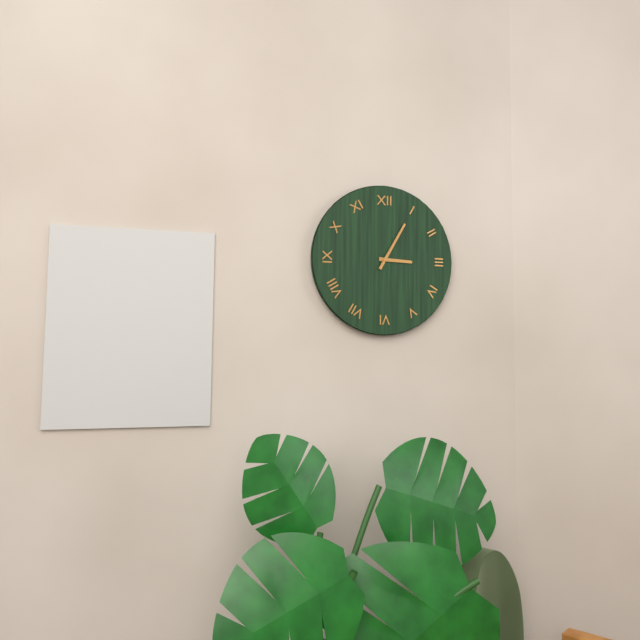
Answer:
3:05
